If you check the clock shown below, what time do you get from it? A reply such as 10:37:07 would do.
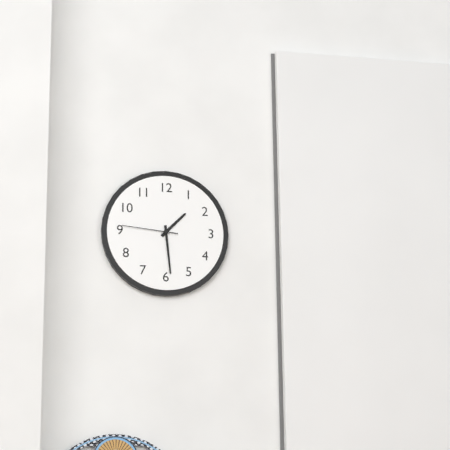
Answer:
1:29:46
